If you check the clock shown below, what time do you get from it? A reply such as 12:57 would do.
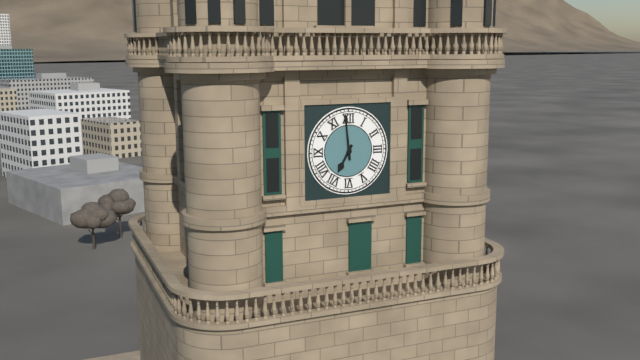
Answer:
6:59
